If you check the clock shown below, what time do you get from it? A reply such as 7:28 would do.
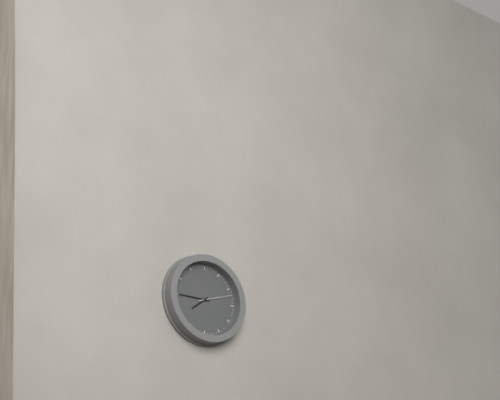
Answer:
7:45
